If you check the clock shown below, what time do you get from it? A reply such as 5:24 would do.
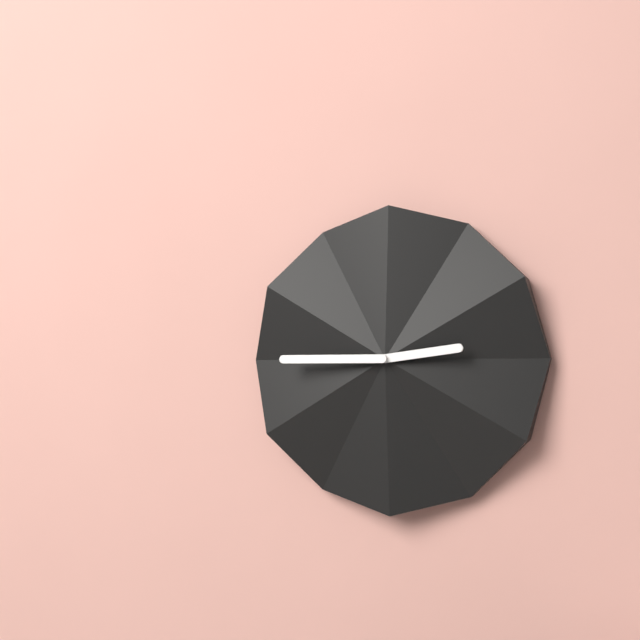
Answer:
2:45
